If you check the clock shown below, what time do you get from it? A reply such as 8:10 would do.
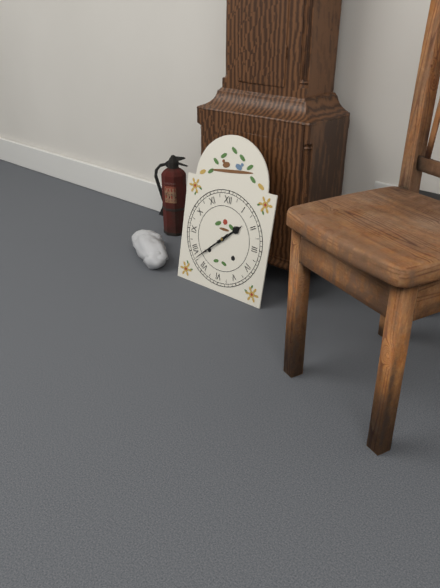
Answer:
1:38
